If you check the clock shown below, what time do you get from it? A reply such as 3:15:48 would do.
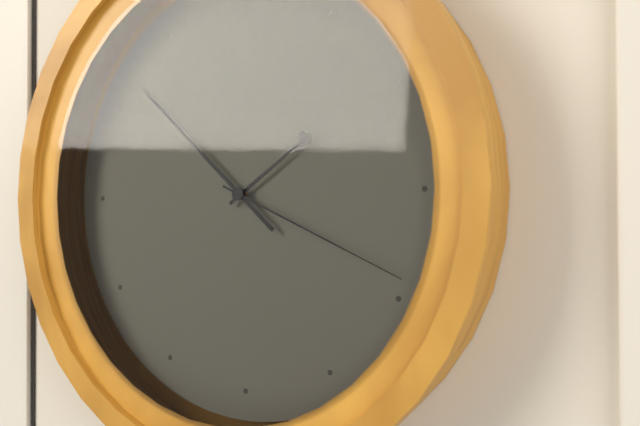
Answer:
1:52:19
